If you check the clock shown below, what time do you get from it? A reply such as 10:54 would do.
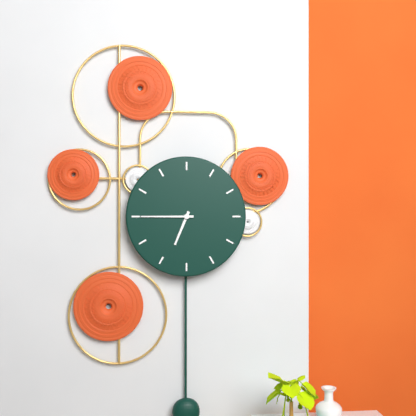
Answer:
6:45
